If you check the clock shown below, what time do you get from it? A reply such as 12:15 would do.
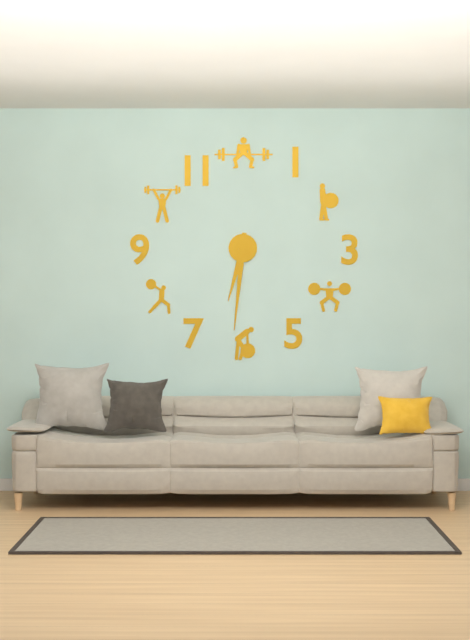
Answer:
6:31
